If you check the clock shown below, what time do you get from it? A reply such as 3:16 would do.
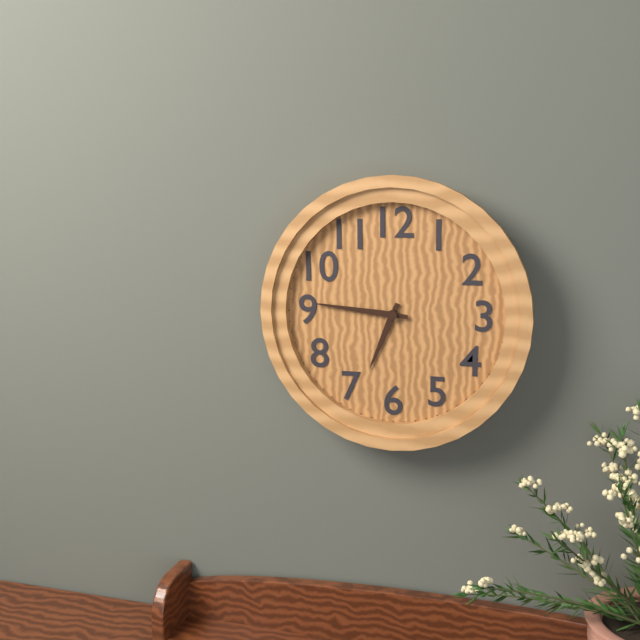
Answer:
6:46
